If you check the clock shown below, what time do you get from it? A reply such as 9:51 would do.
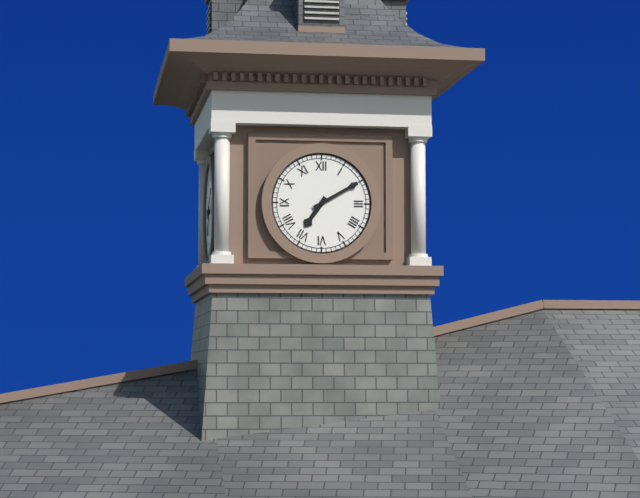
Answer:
7:10
